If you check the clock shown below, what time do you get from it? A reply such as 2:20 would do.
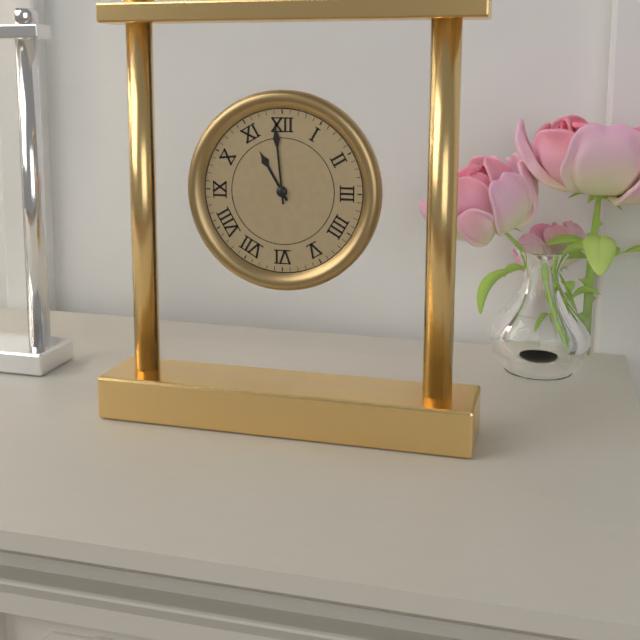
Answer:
10:59
